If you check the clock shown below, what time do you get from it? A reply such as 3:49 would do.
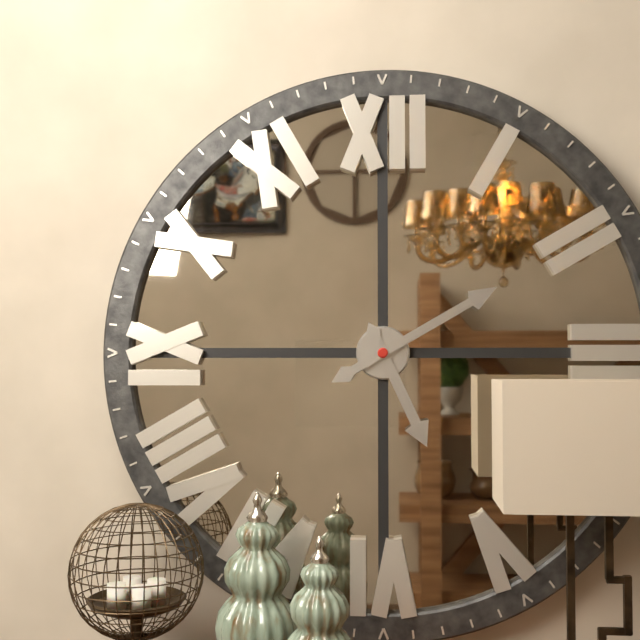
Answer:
5:10
